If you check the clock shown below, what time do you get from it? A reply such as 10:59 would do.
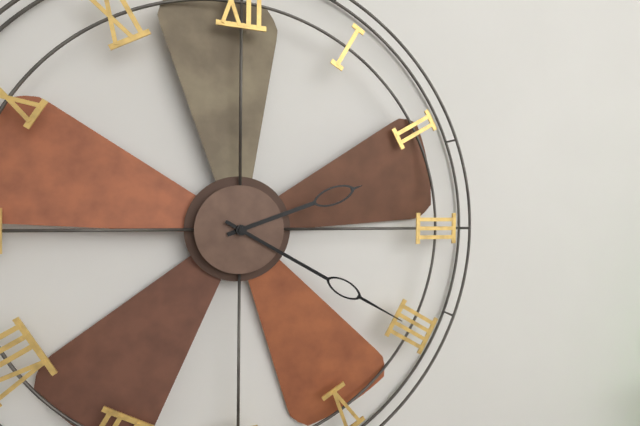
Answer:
2:20
